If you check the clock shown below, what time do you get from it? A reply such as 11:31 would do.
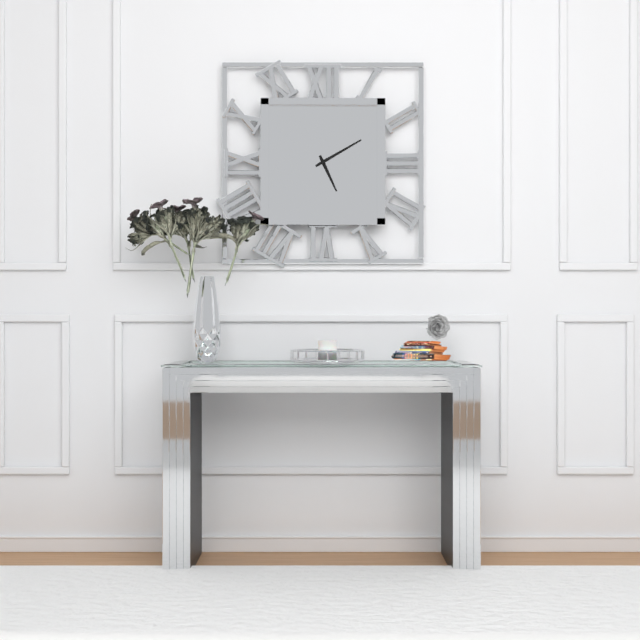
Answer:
5:10
